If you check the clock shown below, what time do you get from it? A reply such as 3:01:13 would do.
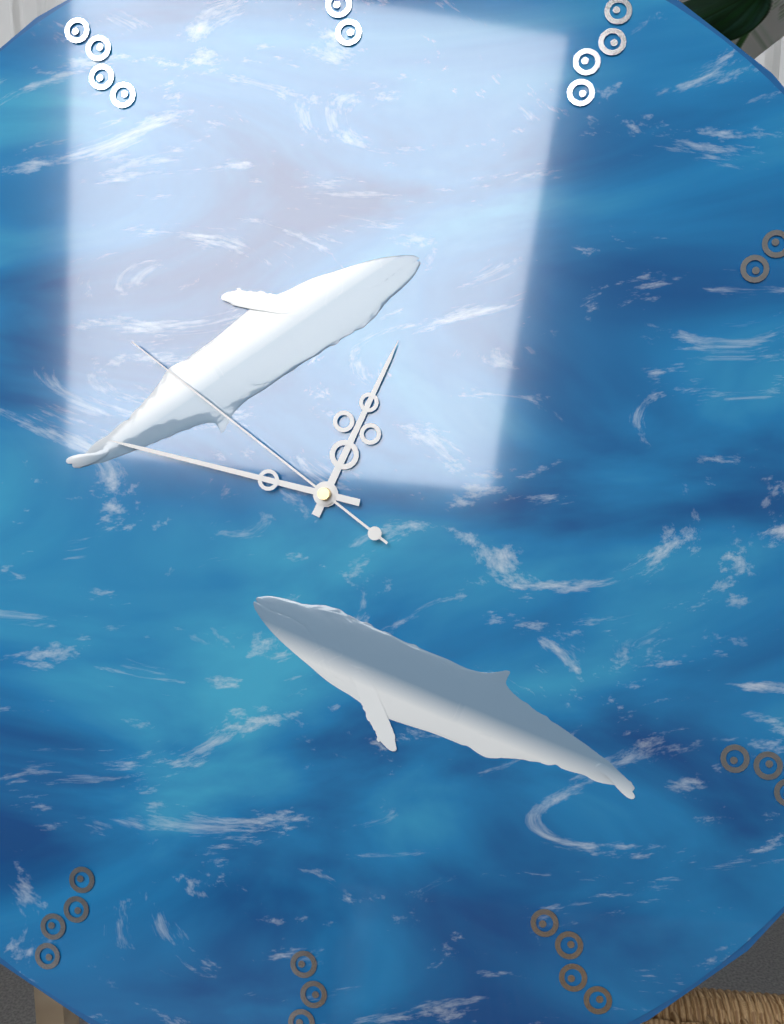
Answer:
12:47:51
